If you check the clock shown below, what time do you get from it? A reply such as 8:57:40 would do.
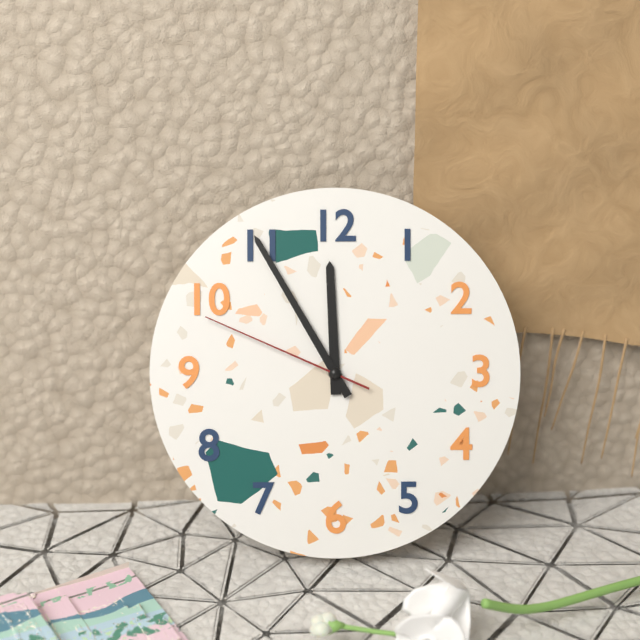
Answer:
11:55:49
